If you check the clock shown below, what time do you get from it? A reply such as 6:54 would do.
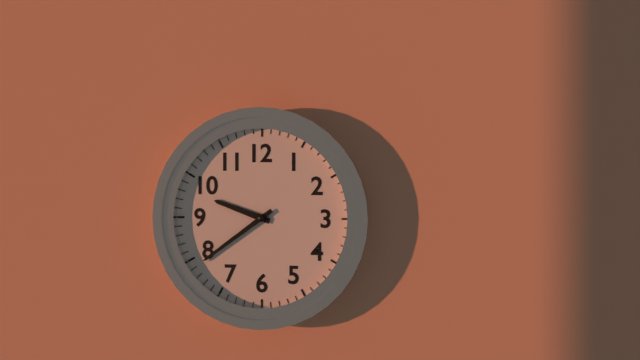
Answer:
9:39
